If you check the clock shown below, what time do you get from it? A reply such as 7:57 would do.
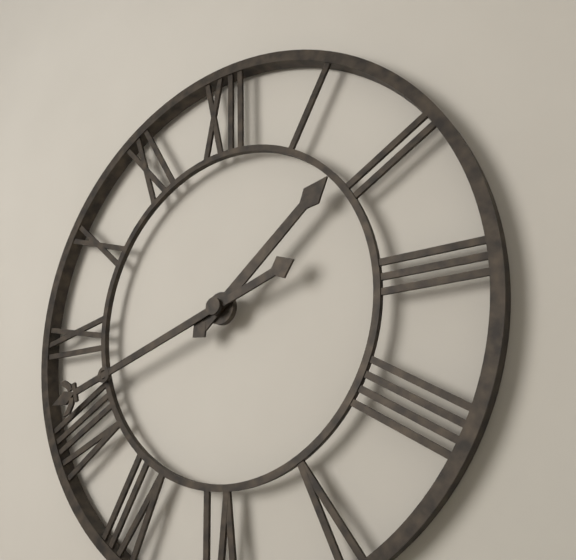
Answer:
1:42
